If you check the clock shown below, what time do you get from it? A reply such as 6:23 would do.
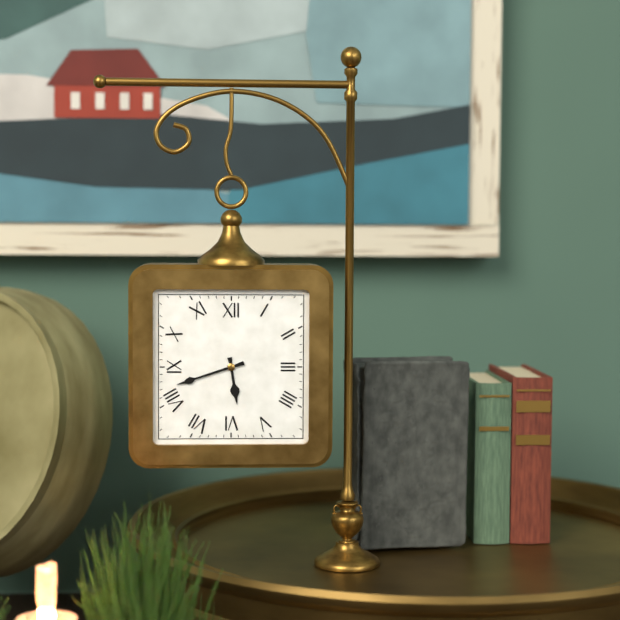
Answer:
5:42
